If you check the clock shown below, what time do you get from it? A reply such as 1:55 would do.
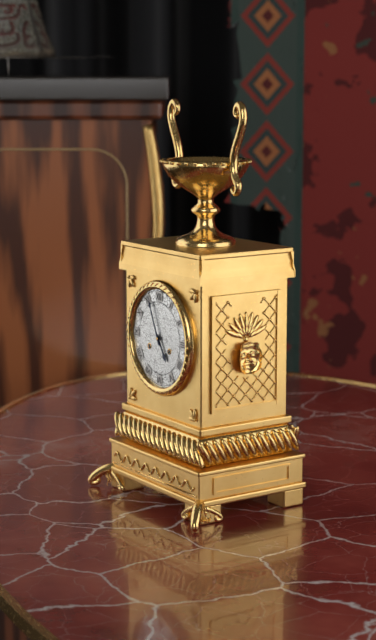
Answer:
4:56
